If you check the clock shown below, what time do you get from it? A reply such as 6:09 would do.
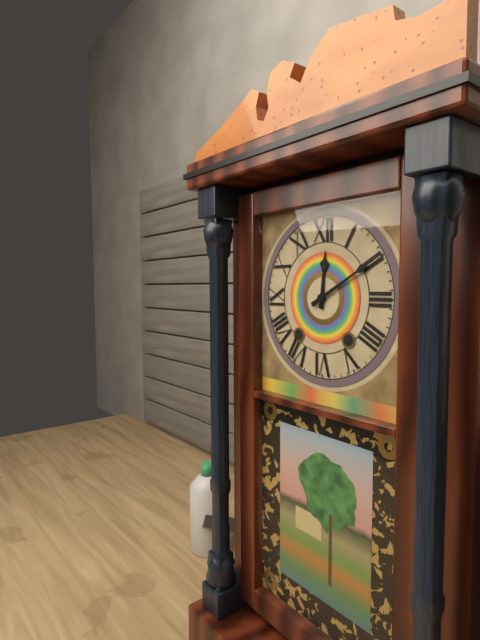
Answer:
12:10
